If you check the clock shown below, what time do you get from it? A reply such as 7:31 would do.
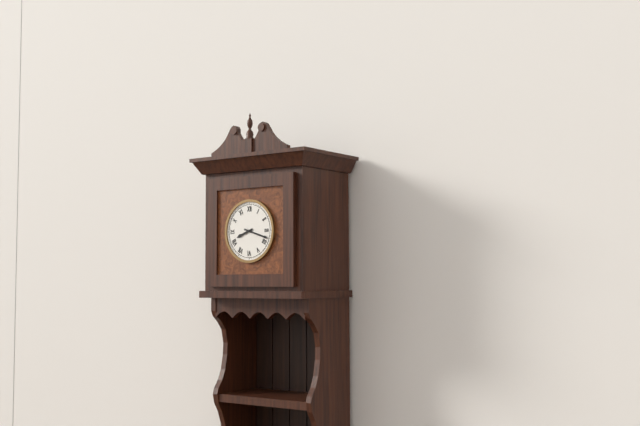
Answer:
8:18
